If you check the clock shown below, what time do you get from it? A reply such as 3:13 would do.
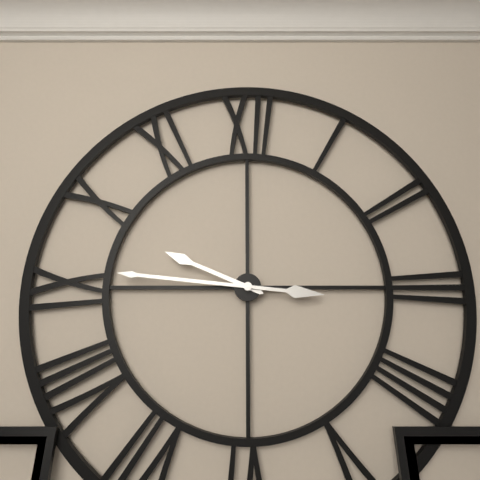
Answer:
9:46
